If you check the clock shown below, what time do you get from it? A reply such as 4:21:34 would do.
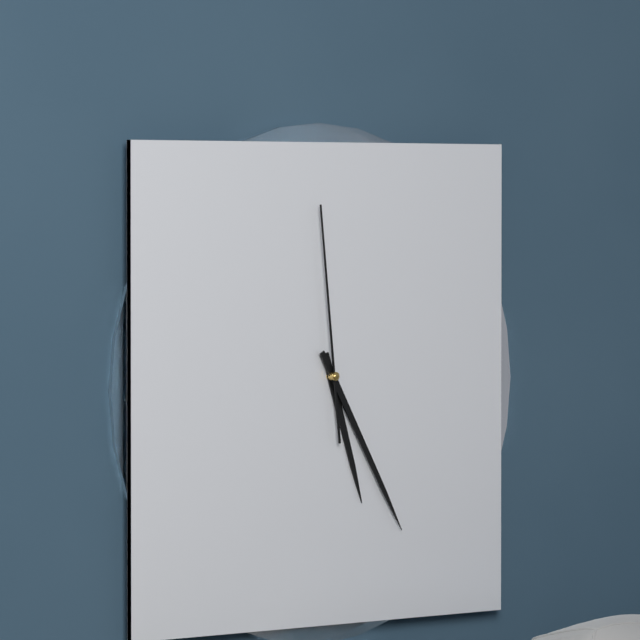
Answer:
5:25:59
